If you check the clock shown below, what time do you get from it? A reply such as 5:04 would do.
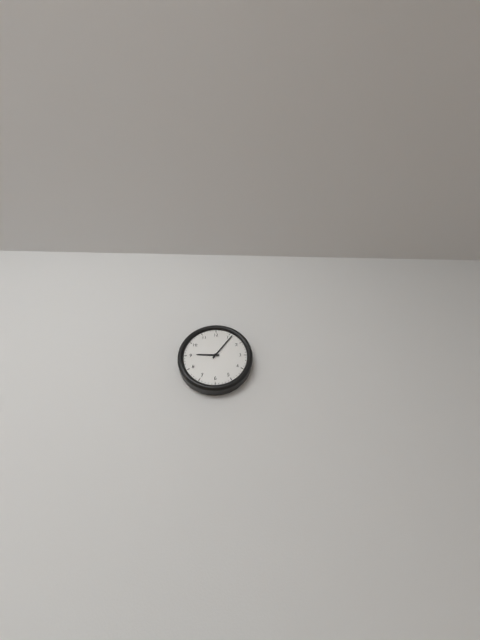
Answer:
9:06
